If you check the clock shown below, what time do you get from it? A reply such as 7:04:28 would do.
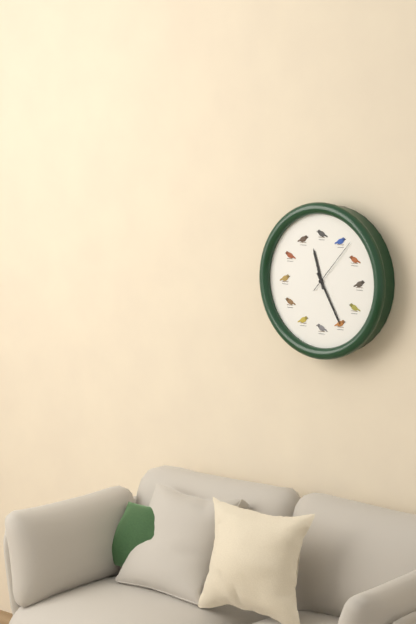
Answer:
11:25:07
